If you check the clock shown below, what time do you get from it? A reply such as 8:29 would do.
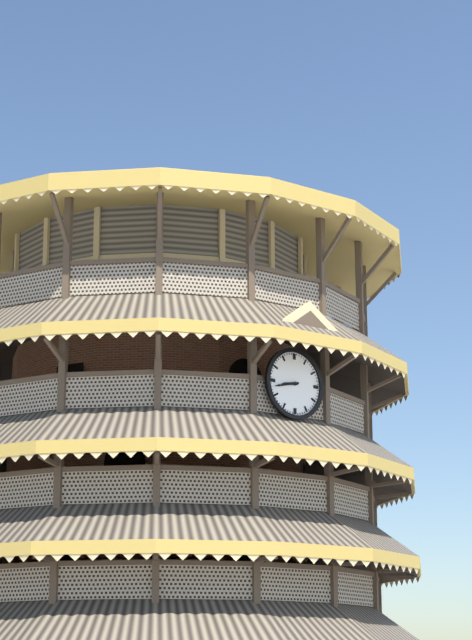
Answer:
8:43
